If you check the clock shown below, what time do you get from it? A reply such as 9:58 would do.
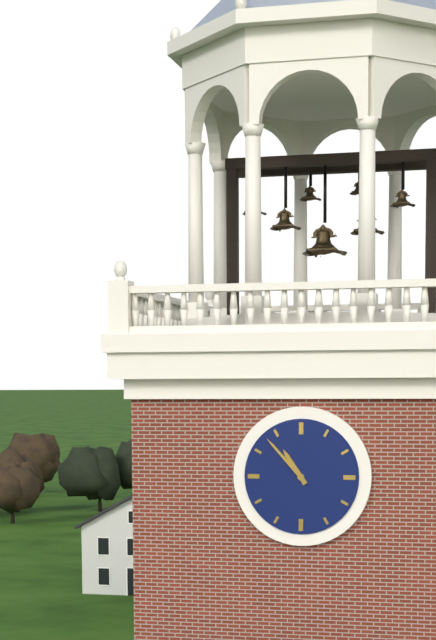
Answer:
10:53
